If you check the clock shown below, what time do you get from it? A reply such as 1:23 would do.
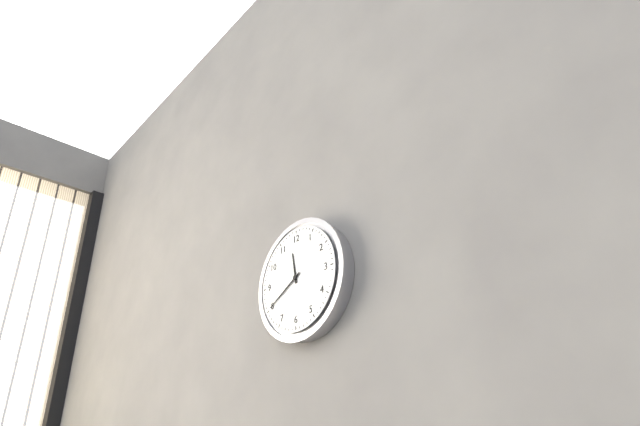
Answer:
11:40
